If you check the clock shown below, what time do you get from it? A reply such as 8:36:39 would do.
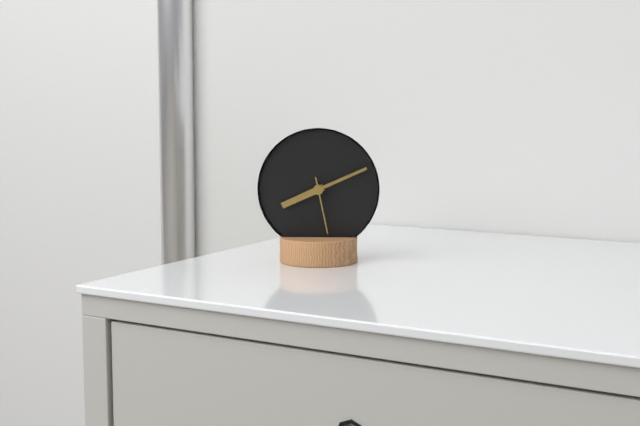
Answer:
8:11:28
